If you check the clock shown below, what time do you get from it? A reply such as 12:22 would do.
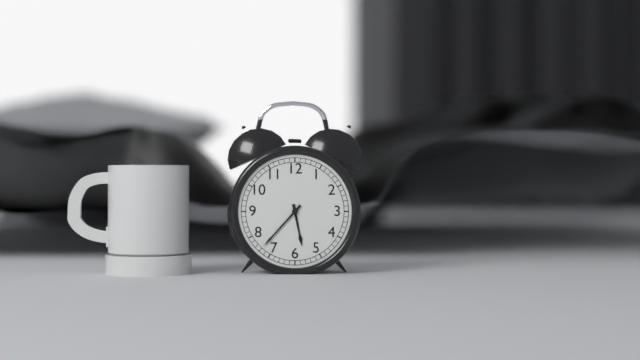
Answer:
5:37
